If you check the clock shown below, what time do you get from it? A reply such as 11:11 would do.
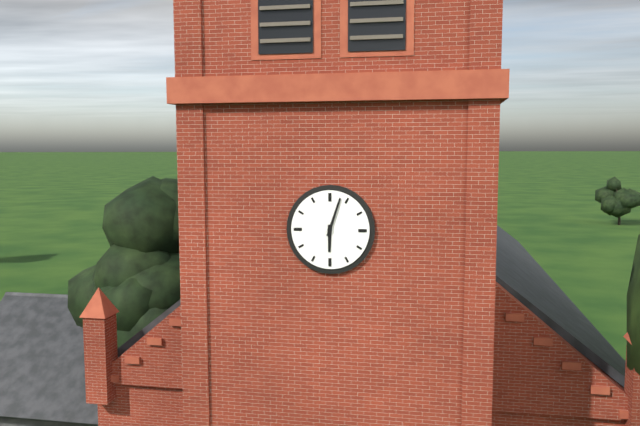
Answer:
6:03
